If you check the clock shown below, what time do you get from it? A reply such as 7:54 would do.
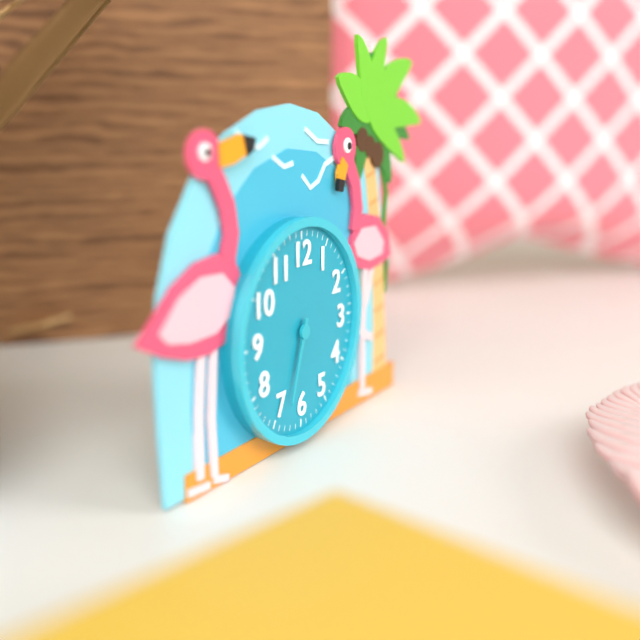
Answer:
6:33
